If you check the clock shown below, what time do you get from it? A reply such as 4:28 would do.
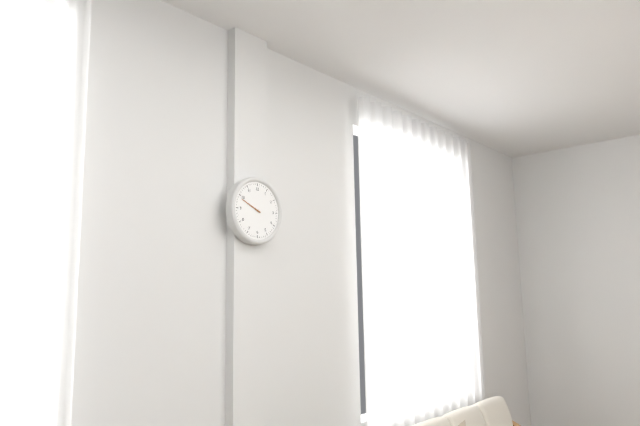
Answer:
9:49
